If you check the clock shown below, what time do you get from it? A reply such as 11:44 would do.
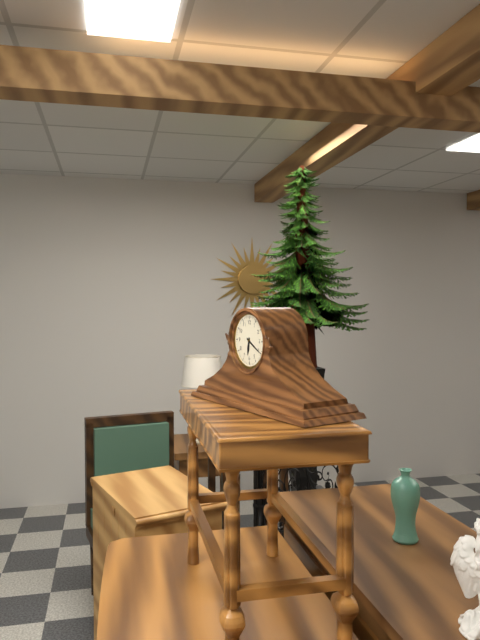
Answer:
6:20
